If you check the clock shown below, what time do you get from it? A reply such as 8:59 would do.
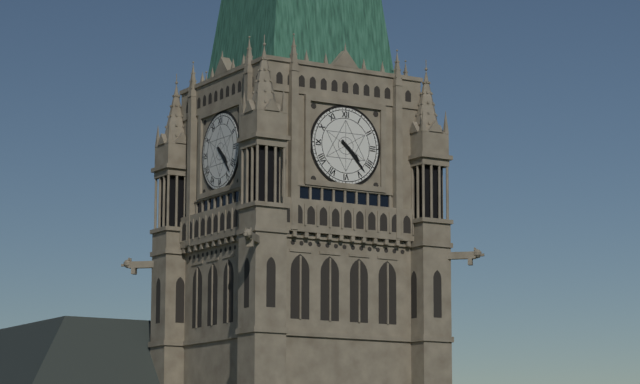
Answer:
4:23
